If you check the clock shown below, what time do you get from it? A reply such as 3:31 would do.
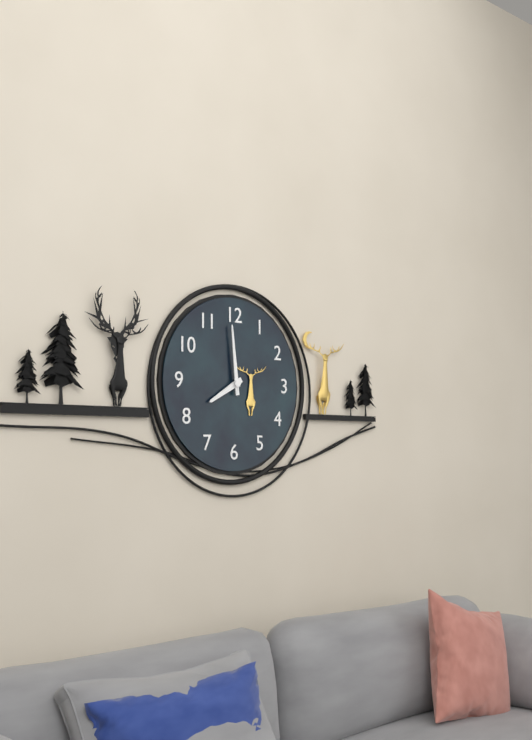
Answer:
7:59
